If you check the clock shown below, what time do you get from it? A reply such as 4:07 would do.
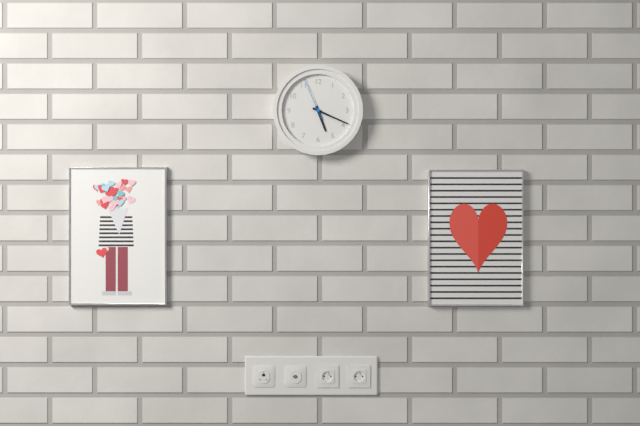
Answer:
5:19
